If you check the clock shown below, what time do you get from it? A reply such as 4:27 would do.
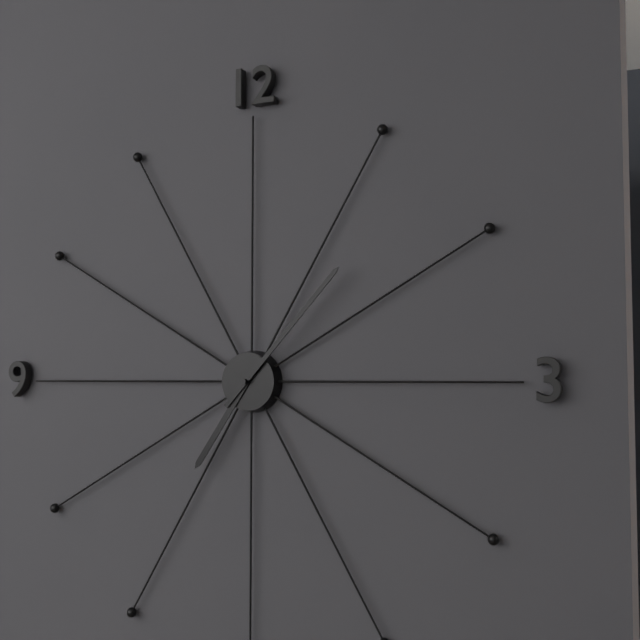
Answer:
7:07
